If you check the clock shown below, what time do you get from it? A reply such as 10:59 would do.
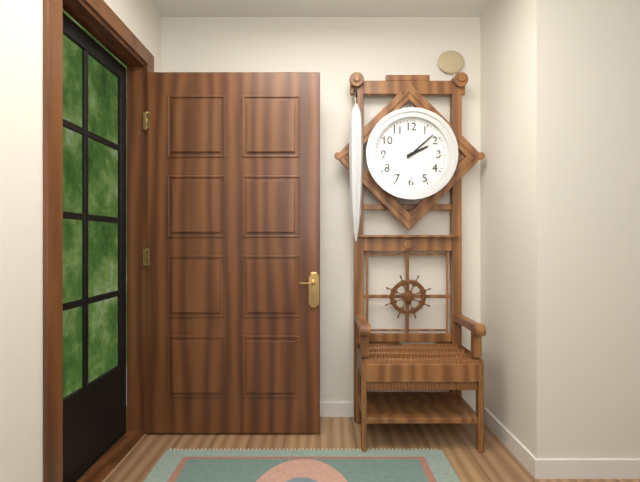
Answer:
2:08
